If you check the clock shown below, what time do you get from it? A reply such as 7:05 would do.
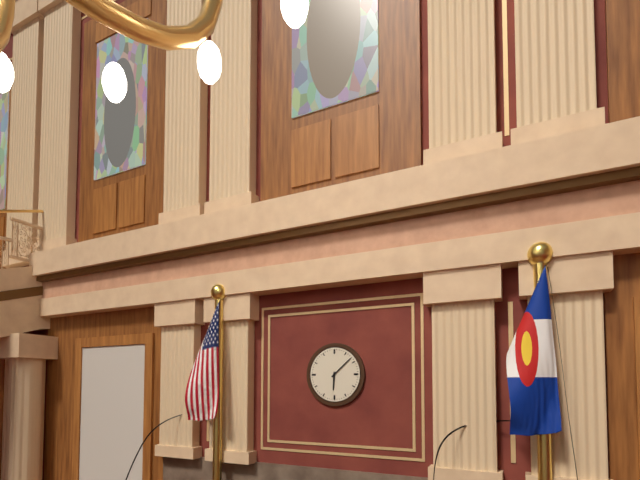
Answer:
6:08
